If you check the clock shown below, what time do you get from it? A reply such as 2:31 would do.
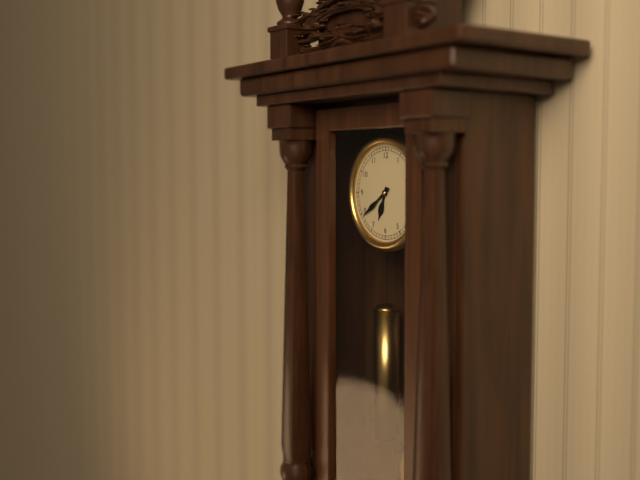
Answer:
6:39
